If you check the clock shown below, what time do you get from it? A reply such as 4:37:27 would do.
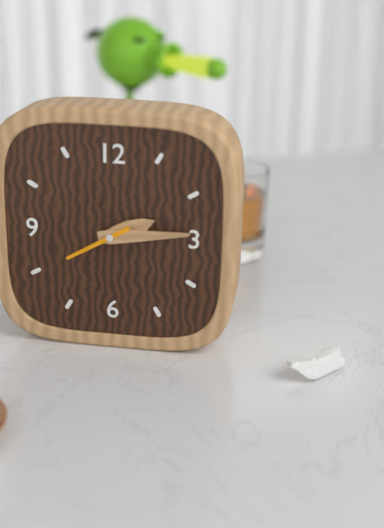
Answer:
2:14:40
